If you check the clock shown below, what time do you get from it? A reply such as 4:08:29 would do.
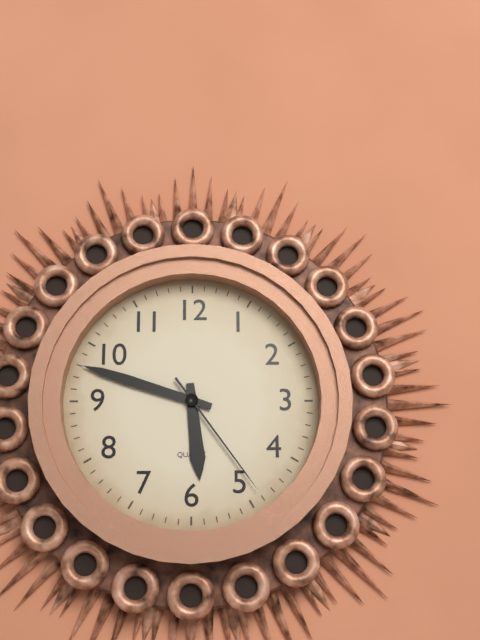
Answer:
5:48:24
